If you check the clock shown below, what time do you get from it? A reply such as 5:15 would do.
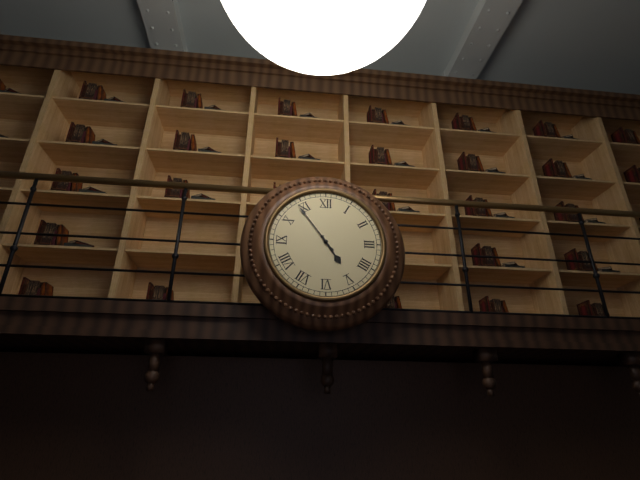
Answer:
4:54
